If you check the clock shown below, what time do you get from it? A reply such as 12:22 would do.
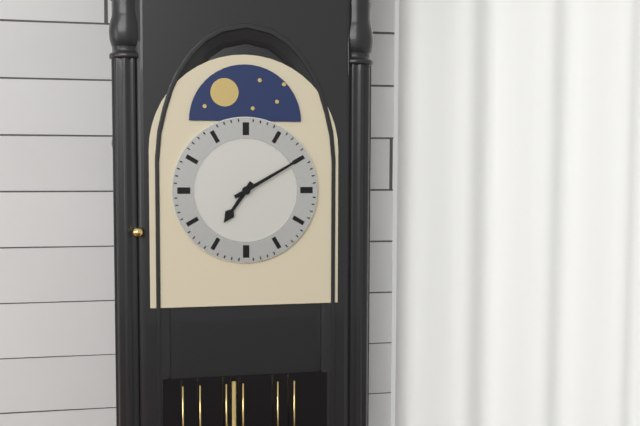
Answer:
7:10
